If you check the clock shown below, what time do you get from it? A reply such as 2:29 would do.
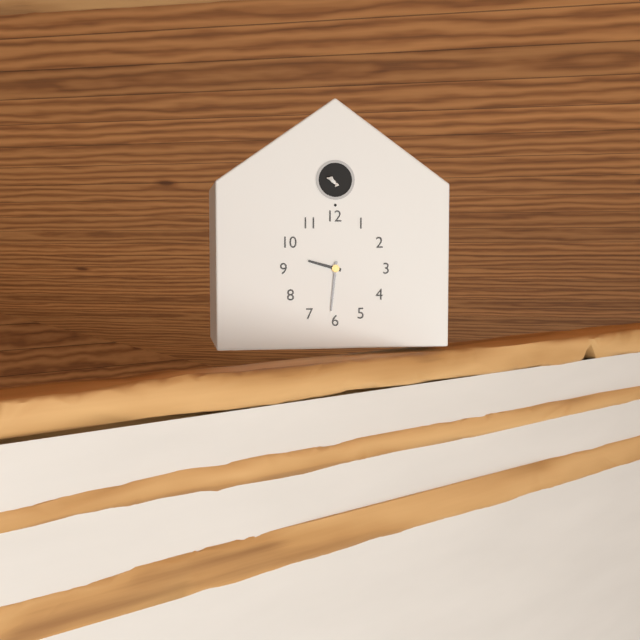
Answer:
9:31
